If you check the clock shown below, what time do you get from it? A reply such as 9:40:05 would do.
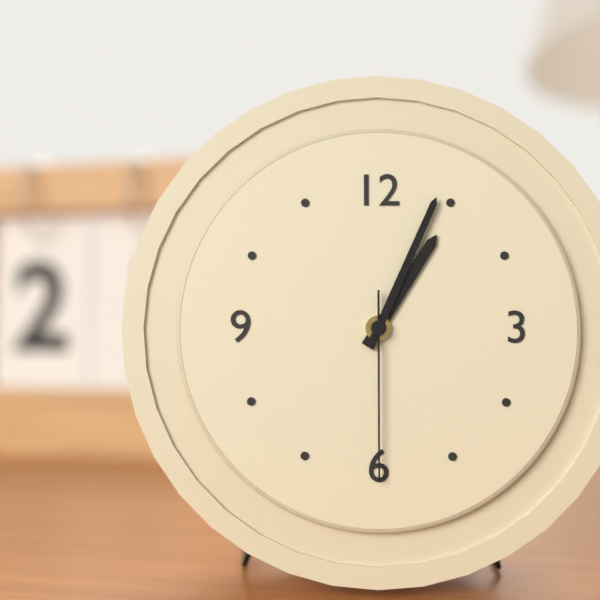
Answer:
1:04:30
